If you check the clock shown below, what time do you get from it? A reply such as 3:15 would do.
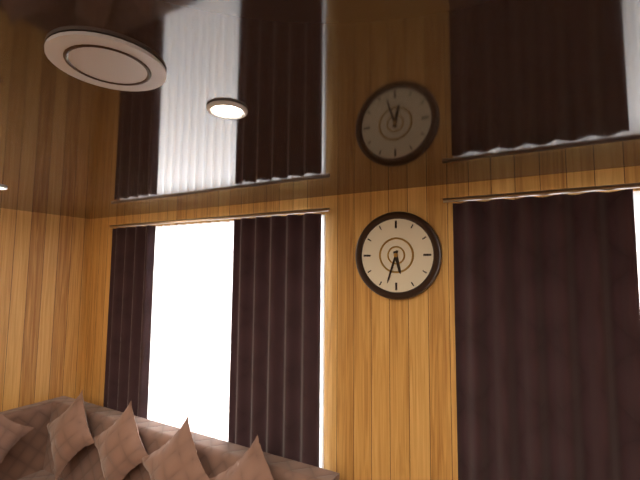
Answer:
5:33
